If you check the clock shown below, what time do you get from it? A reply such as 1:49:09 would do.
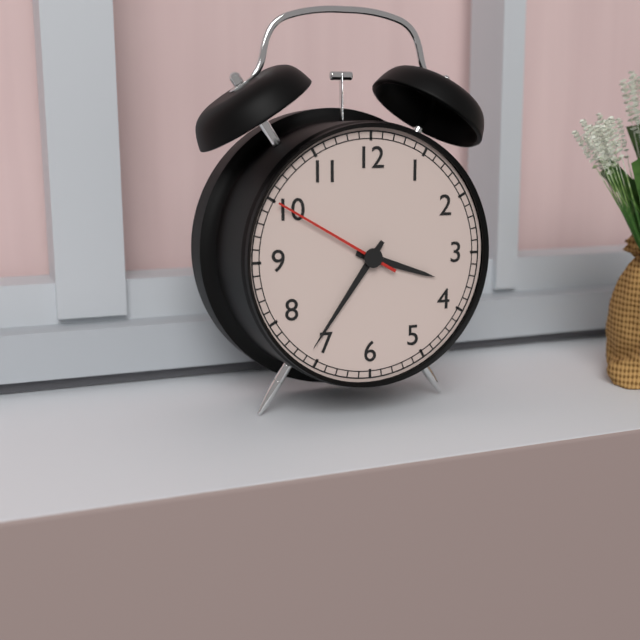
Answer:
3:36:50
